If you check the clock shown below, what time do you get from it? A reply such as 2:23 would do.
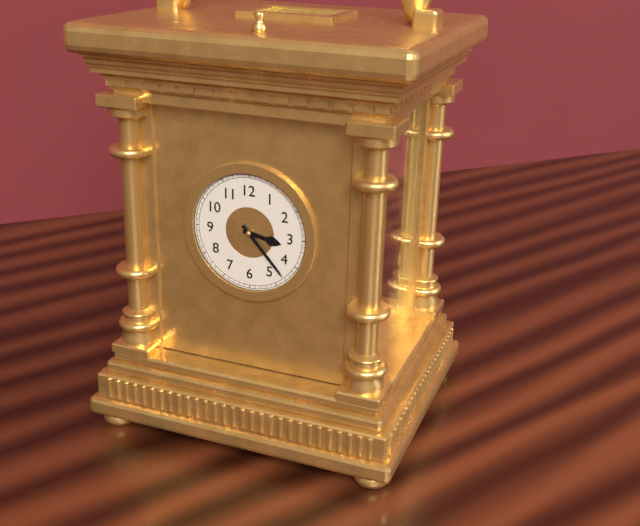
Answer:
3:23
